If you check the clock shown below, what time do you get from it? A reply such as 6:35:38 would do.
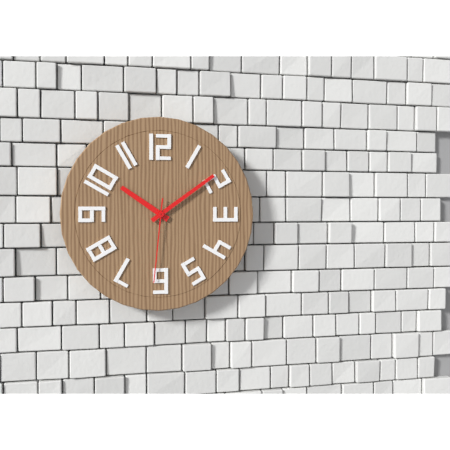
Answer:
10:09:31
